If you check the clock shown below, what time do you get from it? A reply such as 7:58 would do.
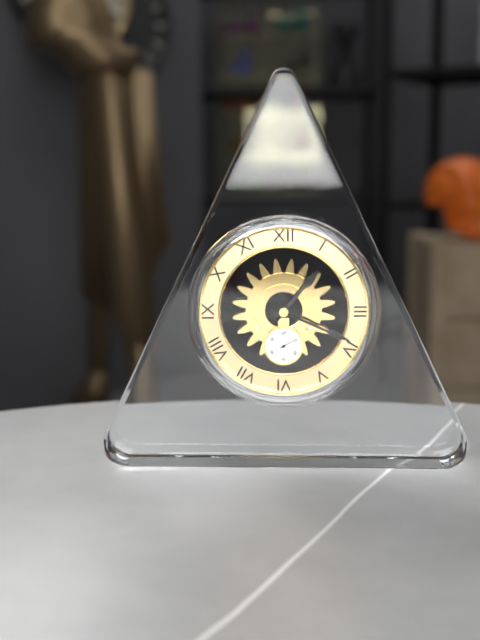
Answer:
1:19
